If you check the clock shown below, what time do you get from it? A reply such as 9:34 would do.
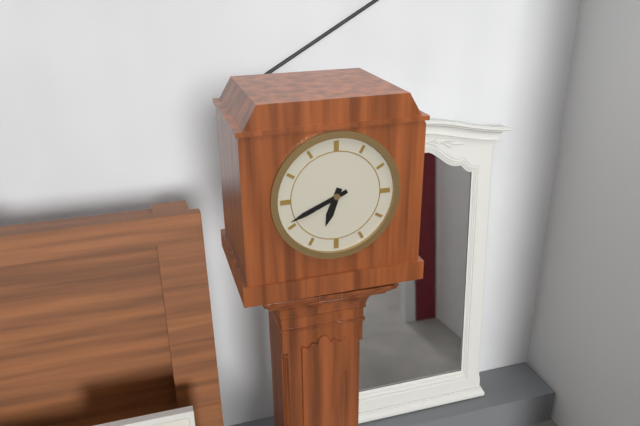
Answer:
6:41
